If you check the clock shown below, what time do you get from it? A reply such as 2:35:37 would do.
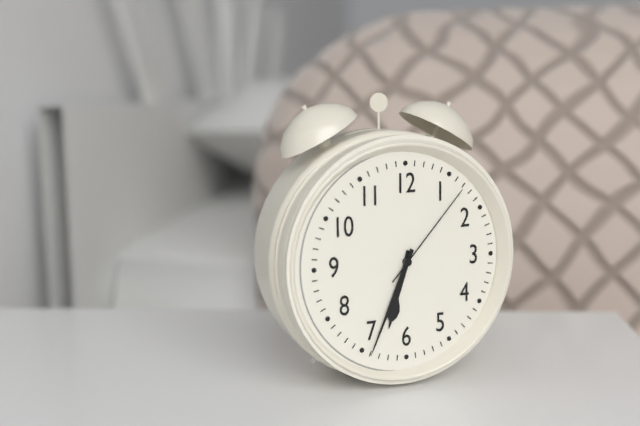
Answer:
6:34:07
